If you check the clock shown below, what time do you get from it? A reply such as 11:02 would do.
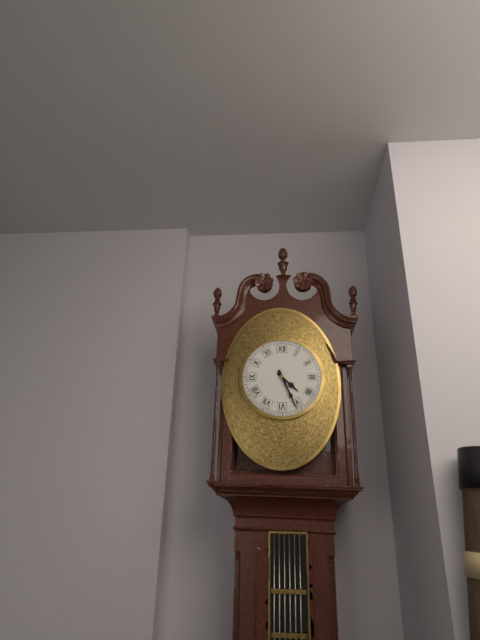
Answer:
4:26
